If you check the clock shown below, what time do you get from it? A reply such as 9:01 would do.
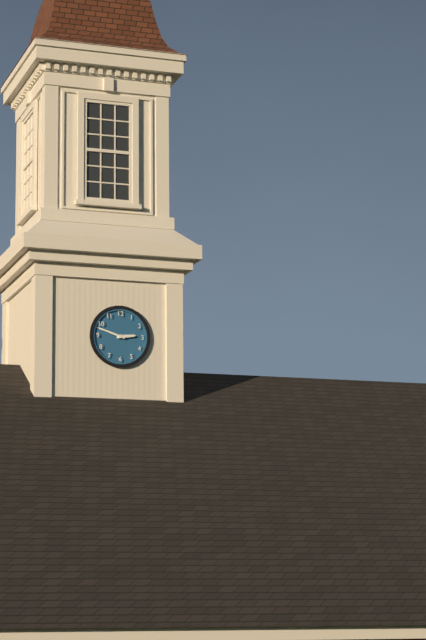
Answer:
2:48
